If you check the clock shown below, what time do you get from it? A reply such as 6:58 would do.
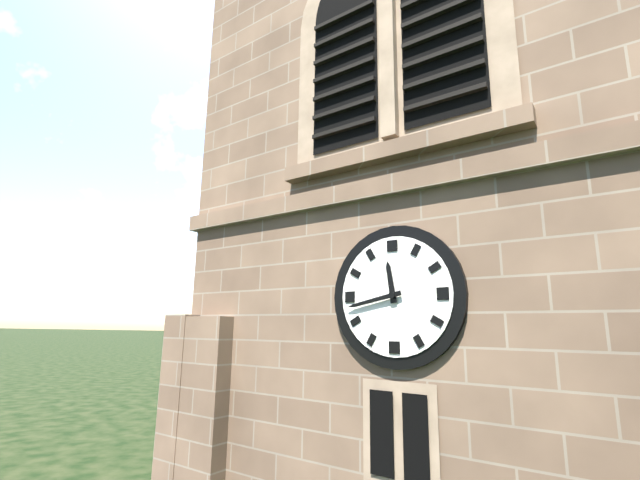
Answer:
11:43
